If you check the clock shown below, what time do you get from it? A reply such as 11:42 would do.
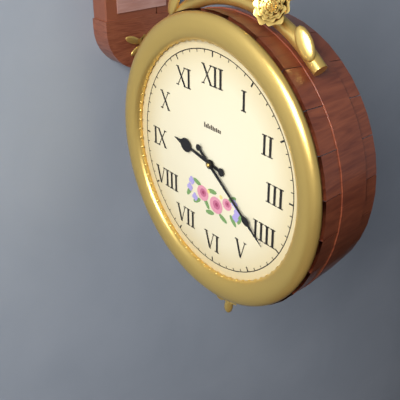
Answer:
9:21
